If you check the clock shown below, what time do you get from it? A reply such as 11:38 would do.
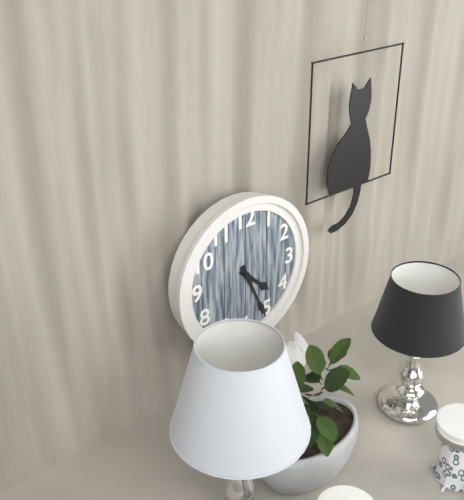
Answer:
4:26
